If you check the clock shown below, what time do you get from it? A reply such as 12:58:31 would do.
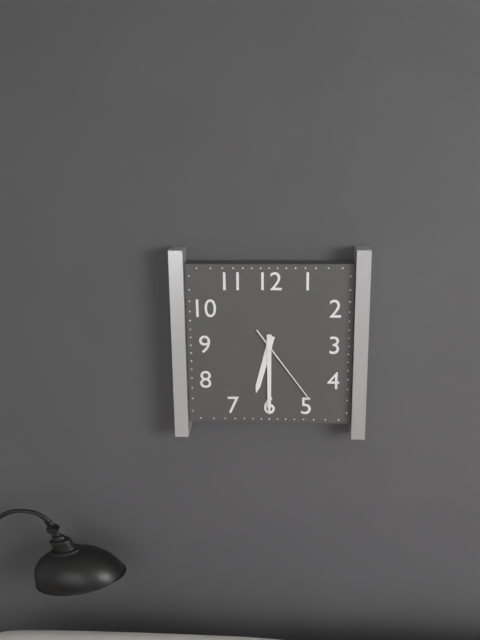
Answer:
6:30:24
